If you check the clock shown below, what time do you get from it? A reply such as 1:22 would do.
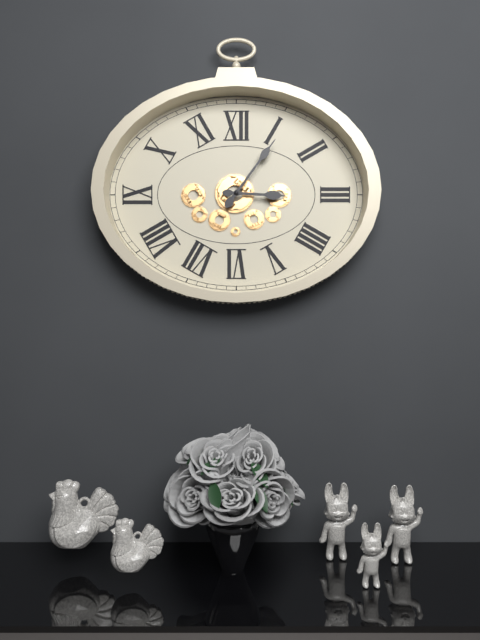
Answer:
3:06
